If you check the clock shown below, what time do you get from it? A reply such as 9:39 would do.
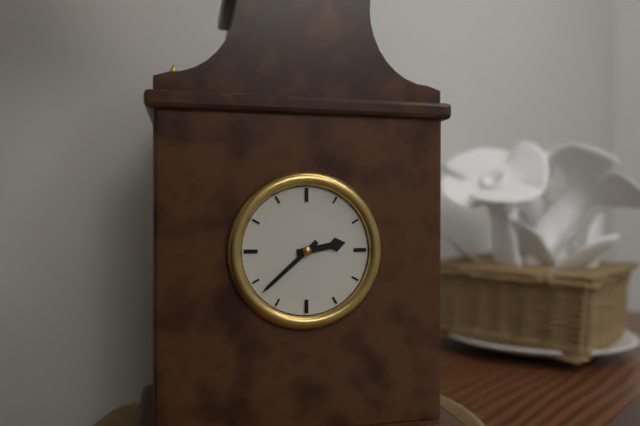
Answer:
2:38
